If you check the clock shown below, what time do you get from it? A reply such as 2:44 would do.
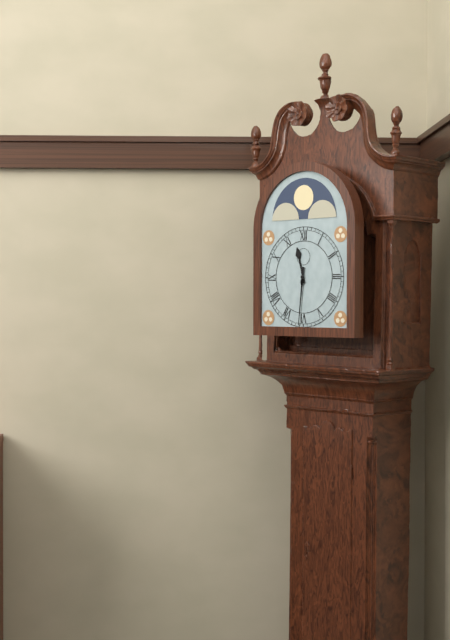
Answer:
11:31
